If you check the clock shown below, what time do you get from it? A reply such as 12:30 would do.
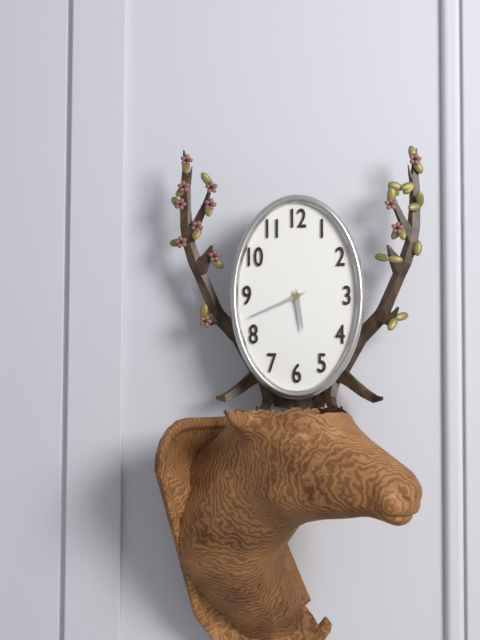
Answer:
5:41
